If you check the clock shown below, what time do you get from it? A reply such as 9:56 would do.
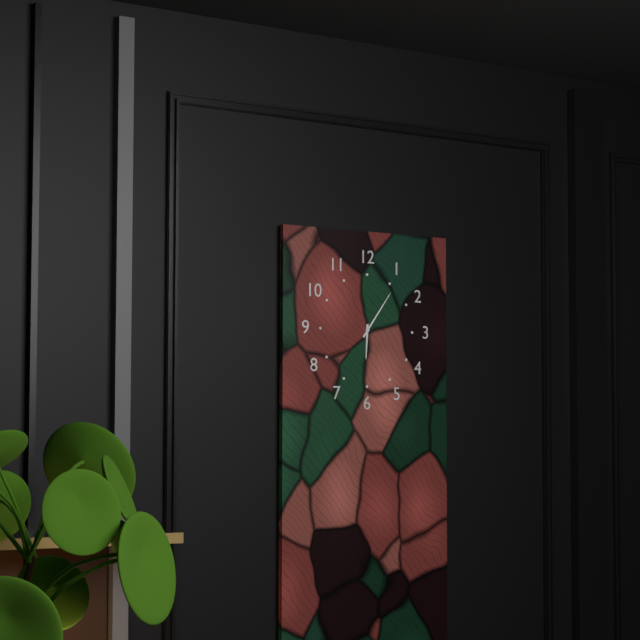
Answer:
6:06
